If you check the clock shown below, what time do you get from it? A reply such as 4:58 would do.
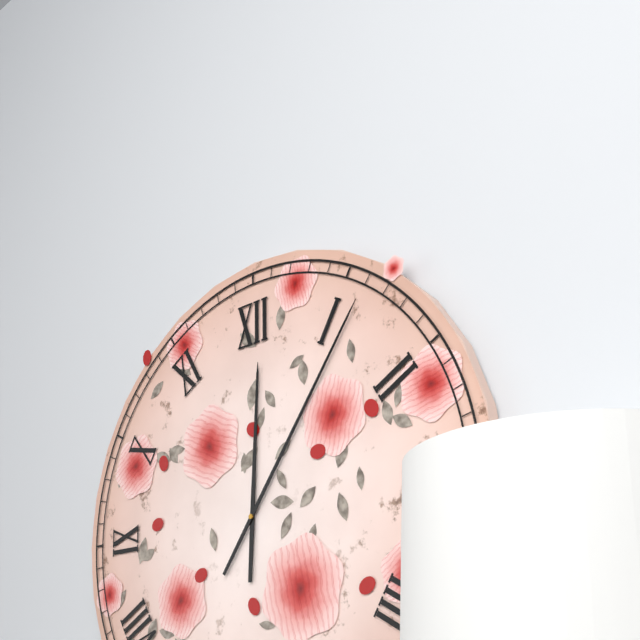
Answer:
12:06
